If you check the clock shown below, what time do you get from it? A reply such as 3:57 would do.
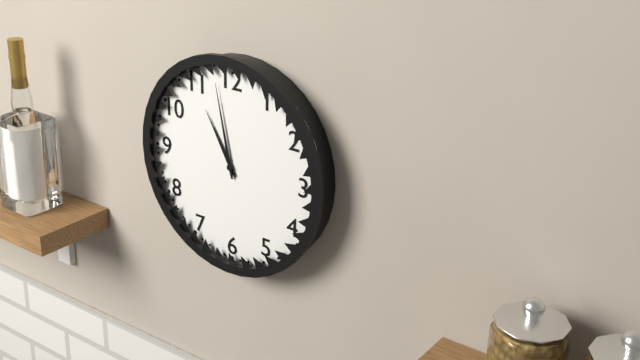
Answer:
10:58
